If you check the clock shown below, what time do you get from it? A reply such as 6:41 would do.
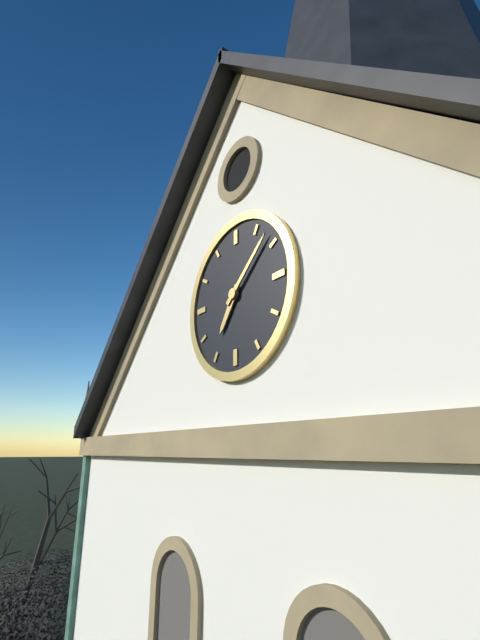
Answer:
7:08
